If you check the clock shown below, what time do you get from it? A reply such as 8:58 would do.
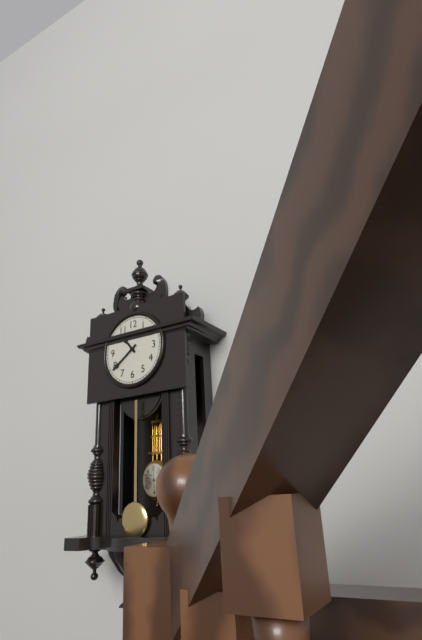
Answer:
10:39
